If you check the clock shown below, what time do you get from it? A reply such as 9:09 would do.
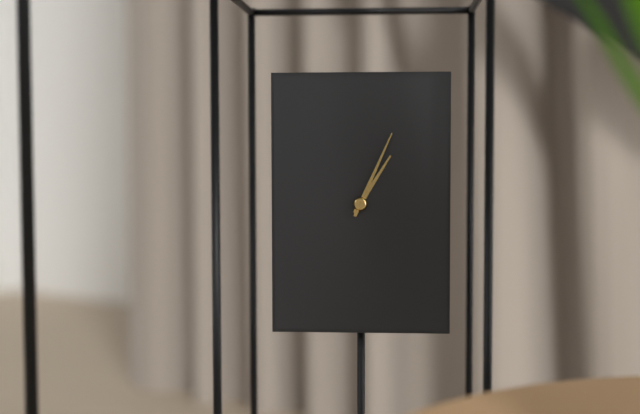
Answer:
1:04
